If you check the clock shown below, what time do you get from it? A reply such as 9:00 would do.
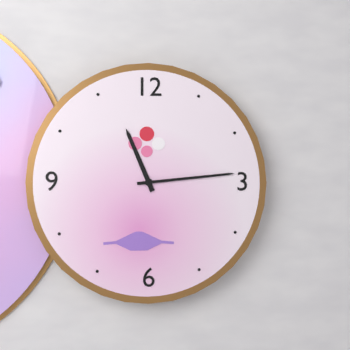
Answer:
11:14
